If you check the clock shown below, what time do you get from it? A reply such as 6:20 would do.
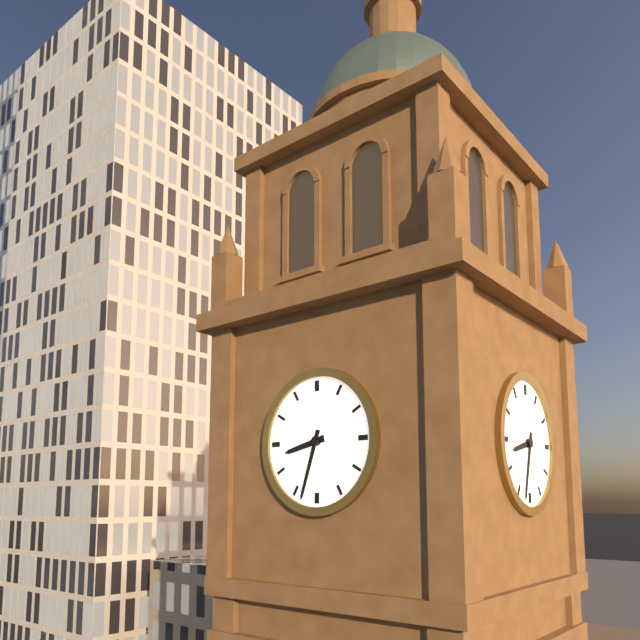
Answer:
8:33
